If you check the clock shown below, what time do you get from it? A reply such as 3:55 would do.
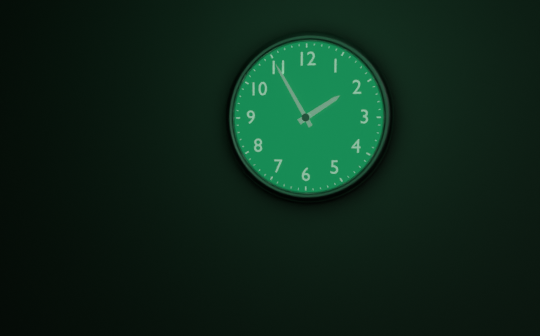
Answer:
1:55
